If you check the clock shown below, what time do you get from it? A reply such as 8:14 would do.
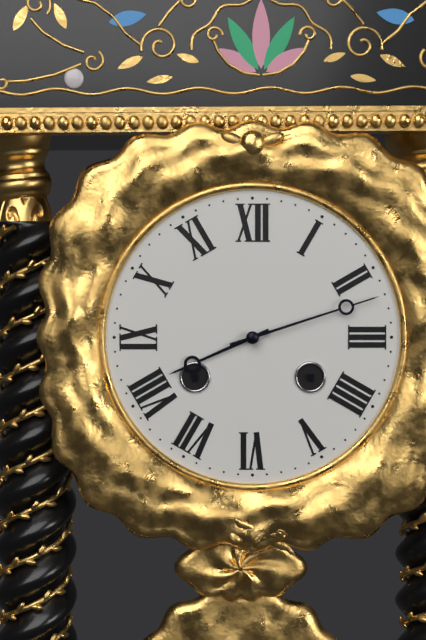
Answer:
8:12
